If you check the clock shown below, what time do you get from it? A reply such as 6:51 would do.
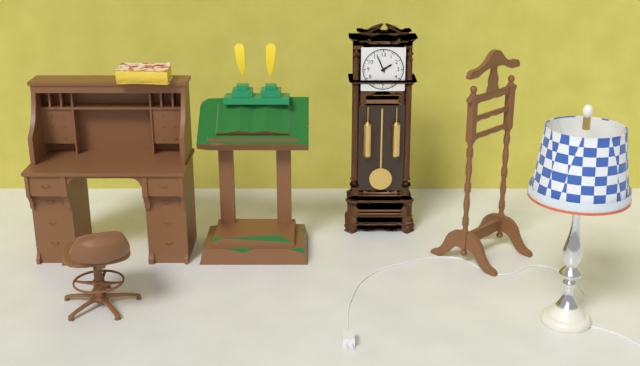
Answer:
1:56
